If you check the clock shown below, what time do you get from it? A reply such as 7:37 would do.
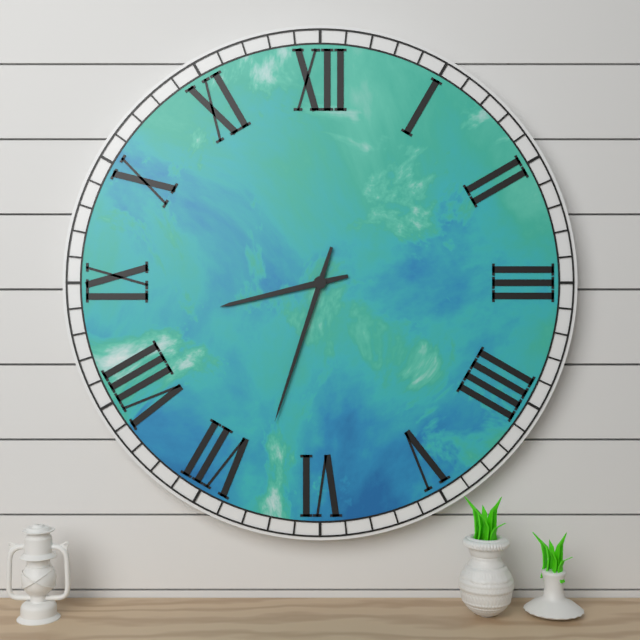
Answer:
8:33
